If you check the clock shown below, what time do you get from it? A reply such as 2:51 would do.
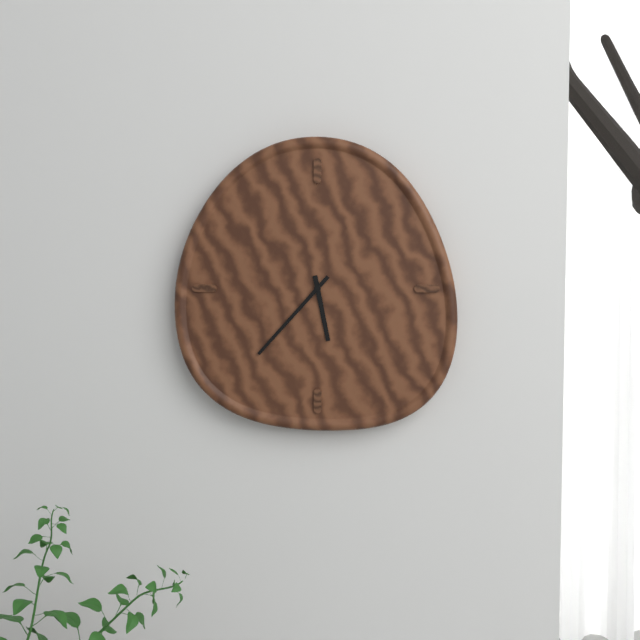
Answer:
5:37
